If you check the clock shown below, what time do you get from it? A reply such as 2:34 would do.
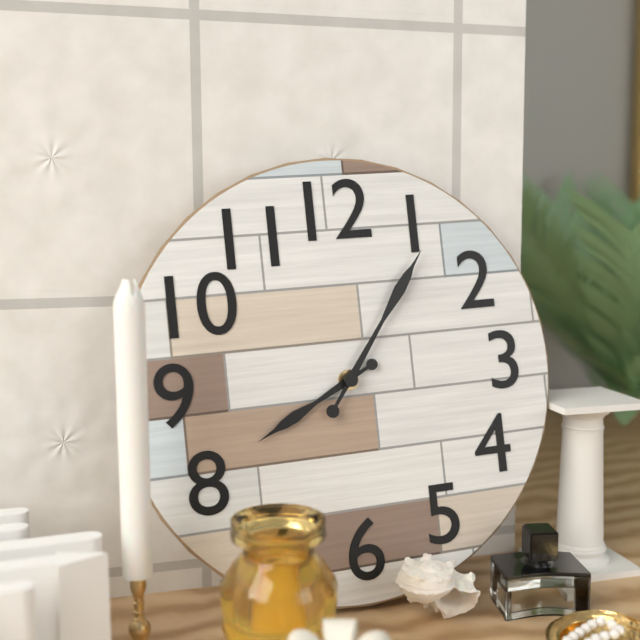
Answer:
8:06
